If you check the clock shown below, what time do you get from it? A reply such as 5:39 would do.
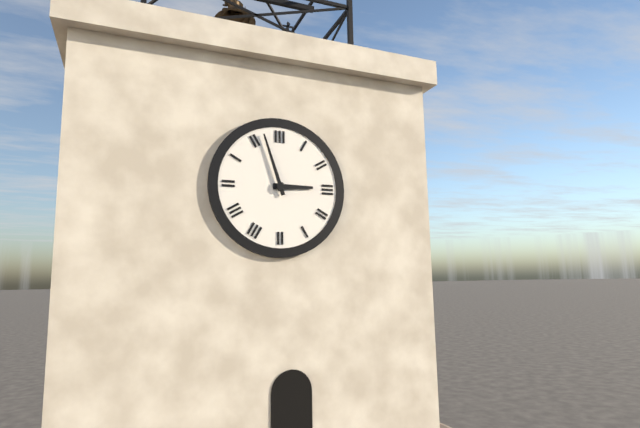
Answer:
2:57
